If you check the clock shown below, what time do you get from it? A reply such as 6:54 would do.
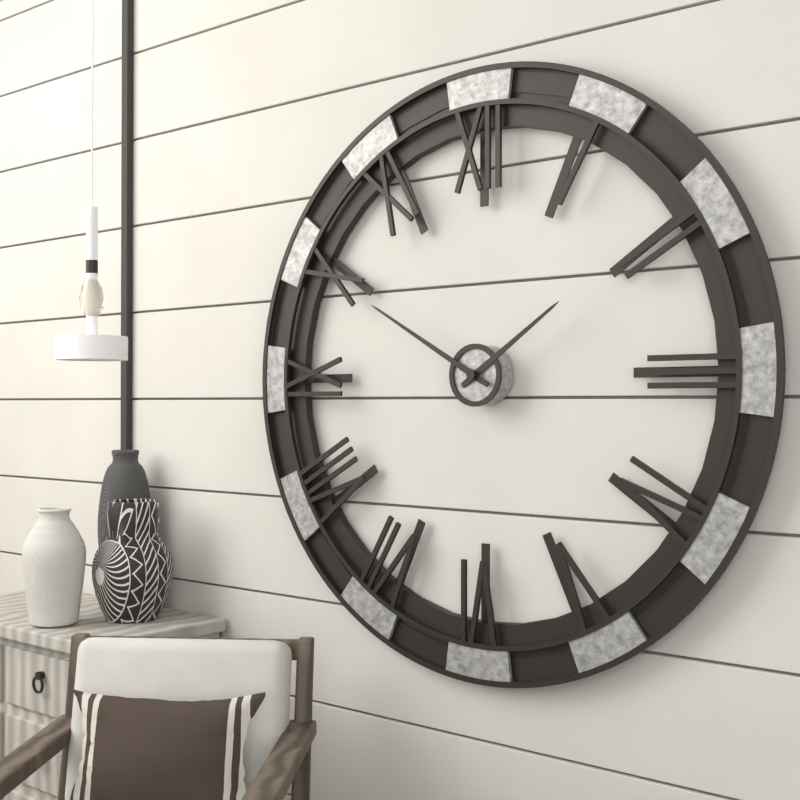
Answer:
1:50
